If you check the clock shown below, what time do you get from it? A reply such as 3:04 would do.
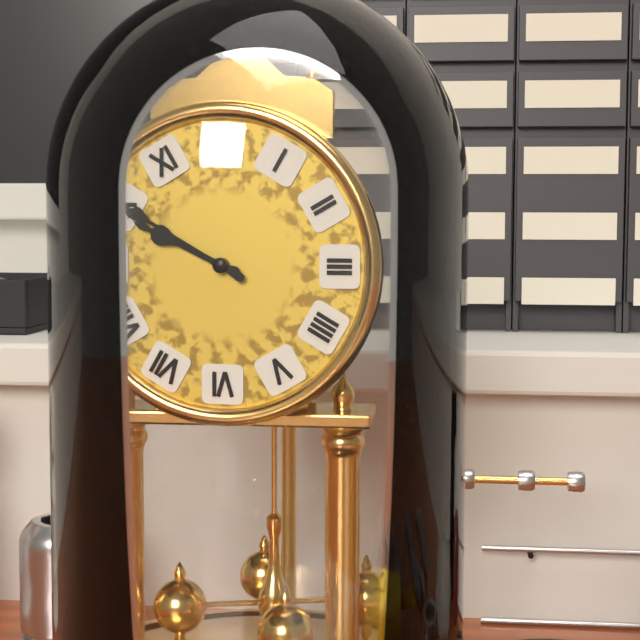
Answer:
9:50
